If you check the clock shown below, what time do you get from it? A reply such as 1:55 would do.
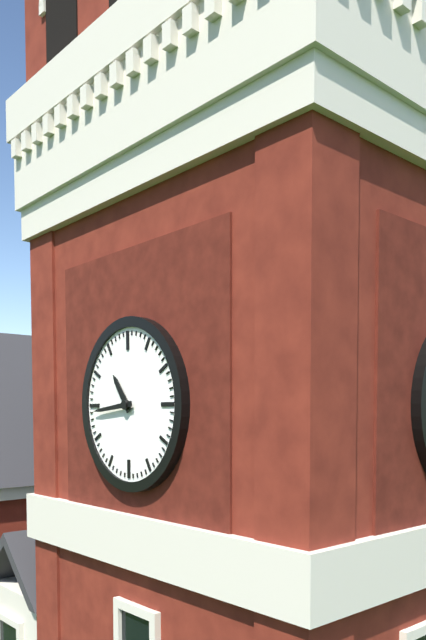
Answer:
10:44
